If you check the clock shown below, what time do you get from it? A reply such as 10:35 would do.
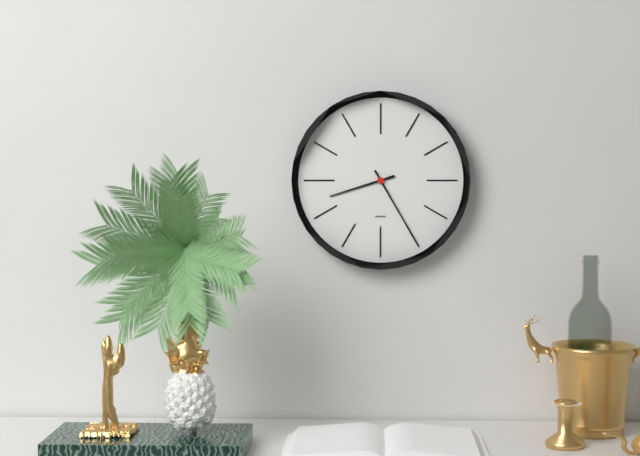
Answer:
8:25
